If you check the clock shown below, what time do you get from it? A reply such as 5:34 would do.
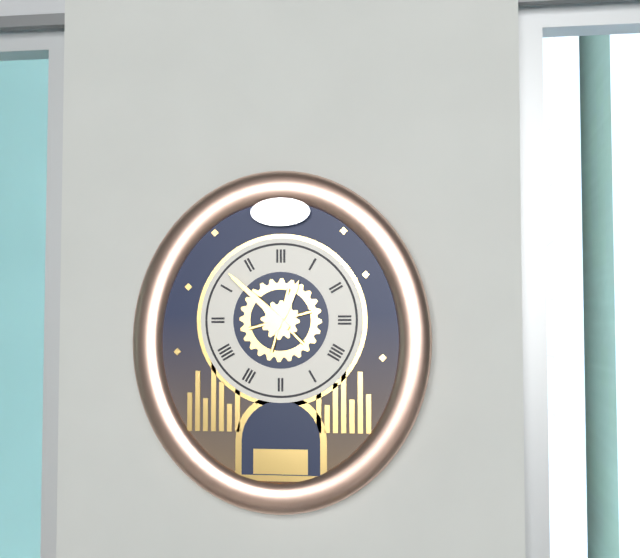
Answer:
12:52
